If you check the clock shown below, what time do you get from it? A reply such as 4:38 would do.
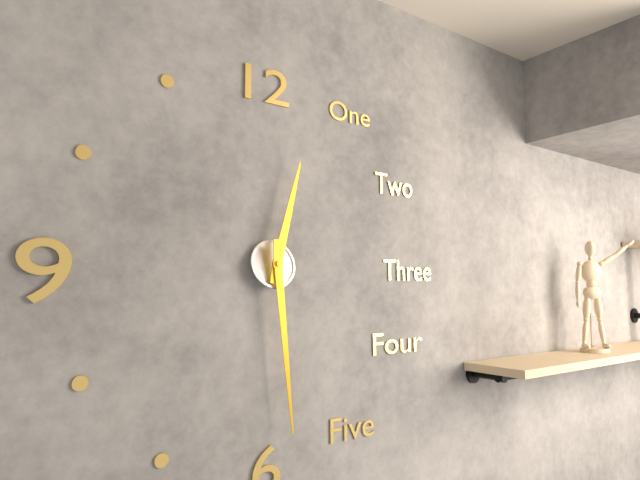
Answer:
12:29
